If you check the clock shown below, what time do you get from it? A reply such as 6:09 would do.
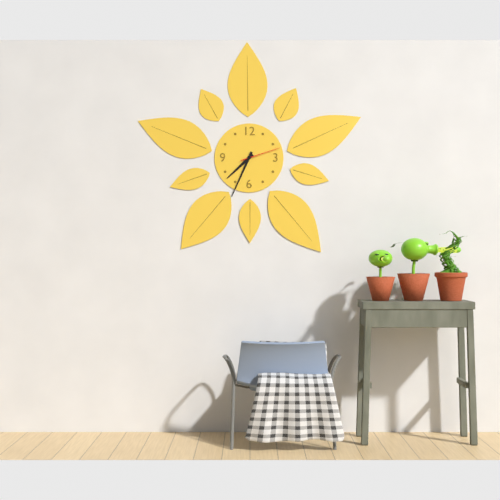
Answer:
7:34
